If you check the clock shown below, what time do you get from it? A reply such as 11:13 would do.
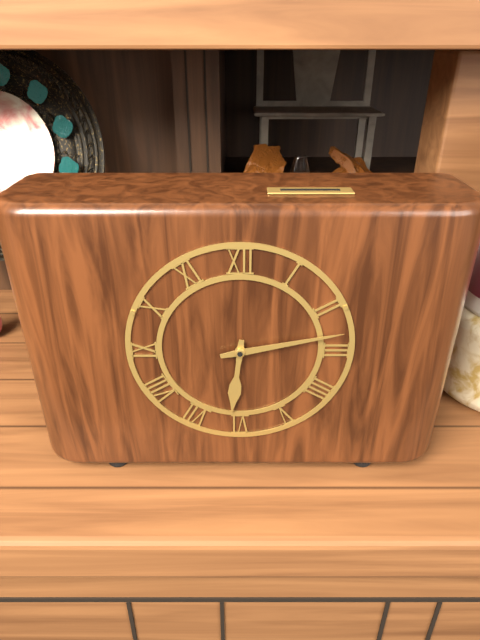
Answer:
6:13
